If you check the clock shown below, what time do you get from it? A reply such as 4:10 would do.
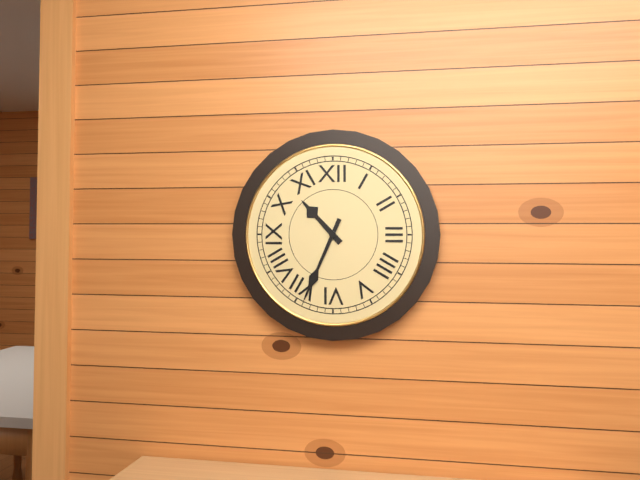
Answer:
10:34
